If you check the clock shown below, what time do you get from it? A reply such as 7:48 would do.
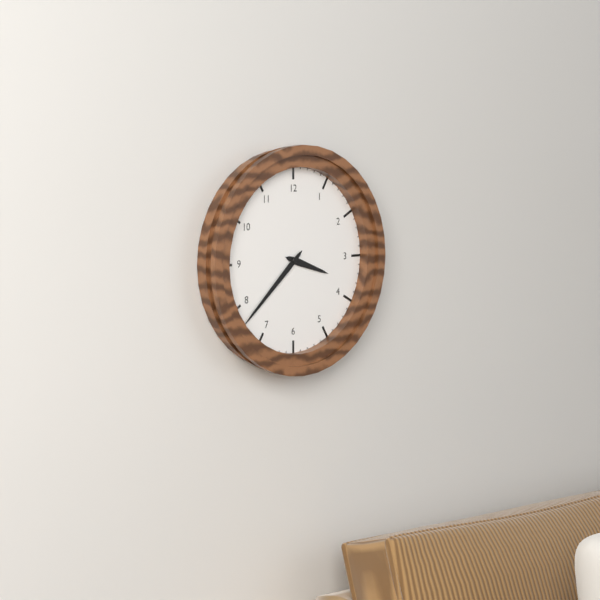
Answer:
3:38
